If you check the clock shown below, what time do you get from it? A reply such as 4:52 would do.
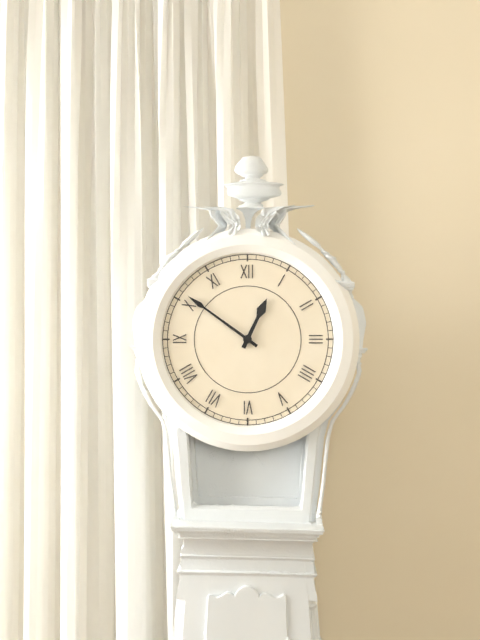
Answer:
12:51
